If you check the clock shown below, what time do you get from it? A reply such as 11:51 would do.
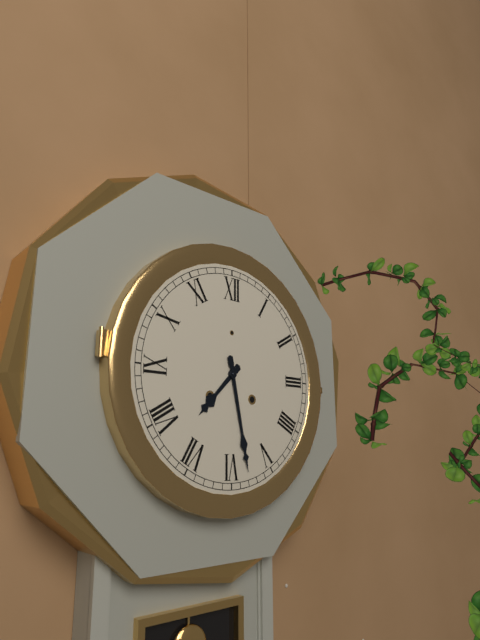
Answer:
7:28
